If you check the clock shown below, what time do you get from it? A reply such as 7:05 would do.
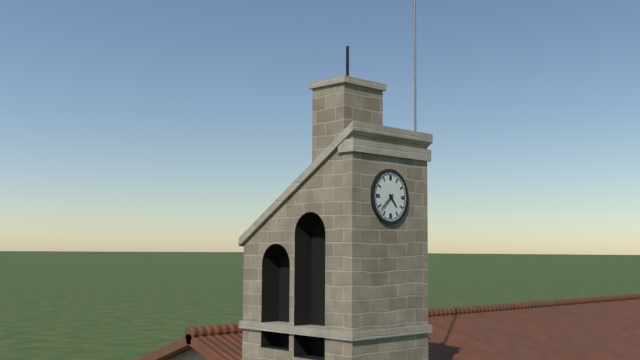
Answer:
4:38
